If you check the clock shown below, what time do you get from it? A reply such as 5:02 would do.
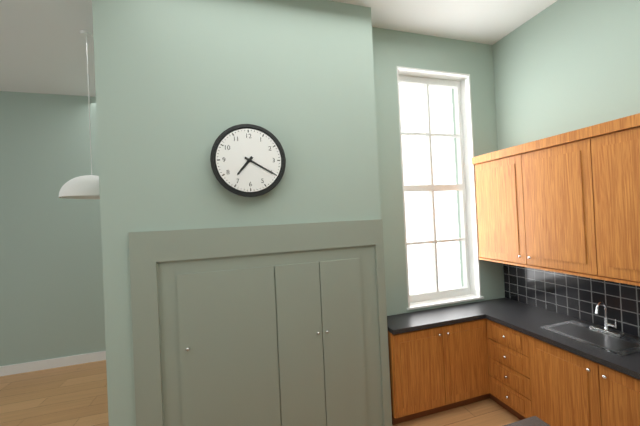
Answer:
7:20
